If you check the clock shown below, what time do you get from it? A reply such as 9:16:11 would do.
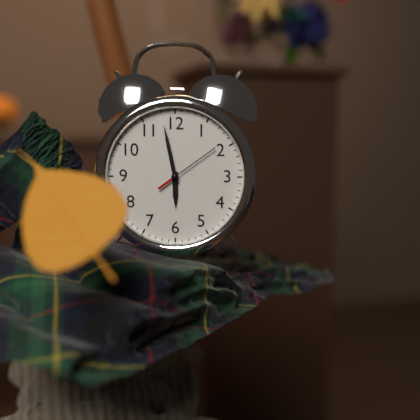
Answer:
5:58:09
